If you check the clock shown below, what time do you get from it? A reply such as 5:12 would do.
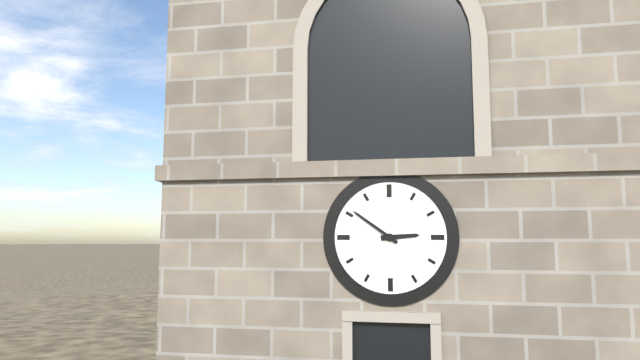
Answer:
2:51
